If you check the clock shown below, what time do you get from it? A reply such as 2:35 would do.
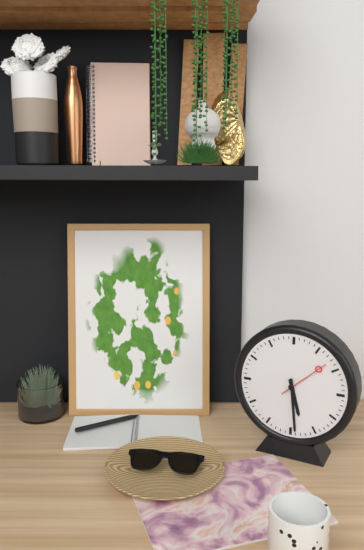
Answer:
5:29
